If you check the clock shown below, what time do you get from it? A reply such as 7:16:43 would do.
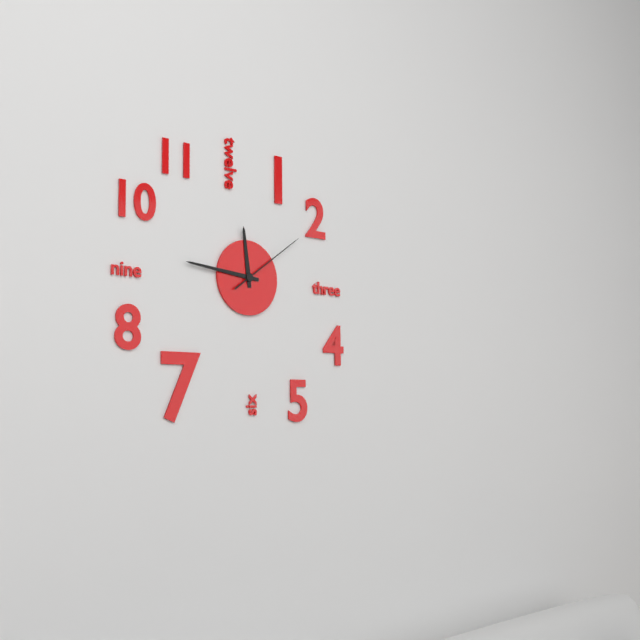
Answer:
11:46:09
